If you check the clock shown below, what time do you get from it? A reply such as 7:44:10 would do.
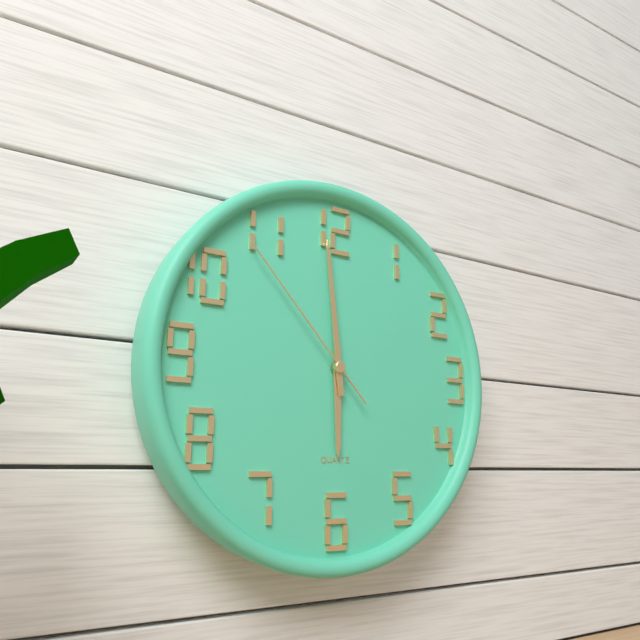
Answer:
5:59:53
